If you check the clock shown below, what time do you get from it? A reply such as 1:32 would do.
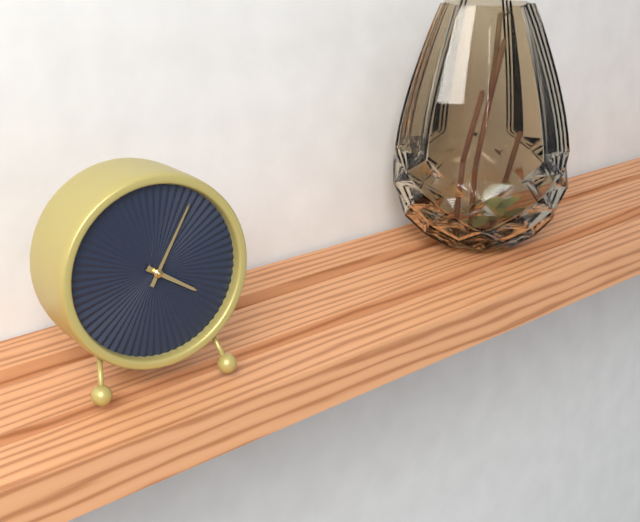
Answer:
4:05
